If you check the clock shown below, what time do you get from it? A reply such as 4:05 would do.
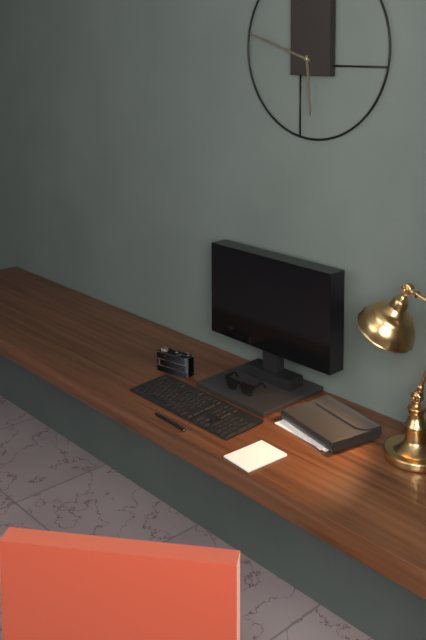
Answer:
5:48
